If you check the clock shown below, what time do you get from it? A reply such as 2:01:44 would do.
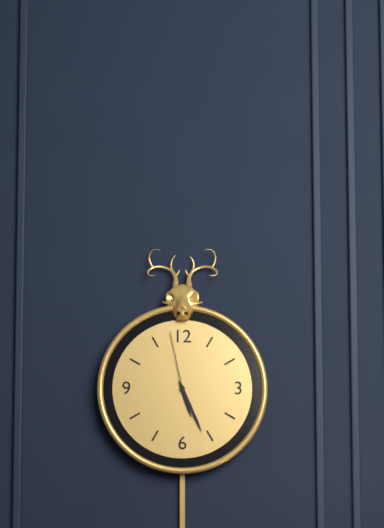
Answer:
5:26:58
